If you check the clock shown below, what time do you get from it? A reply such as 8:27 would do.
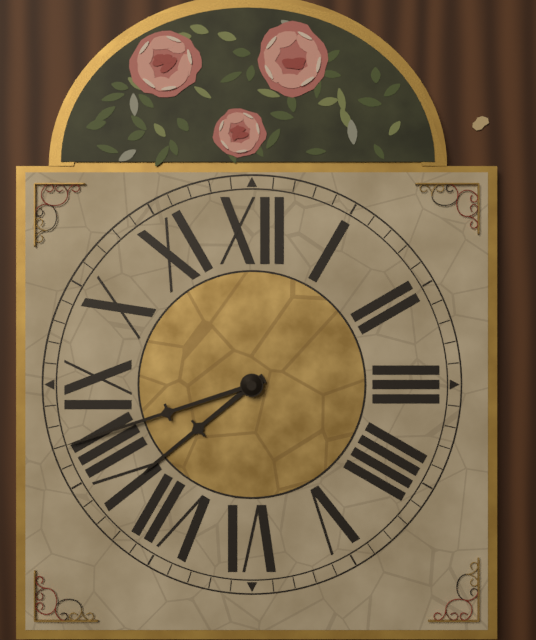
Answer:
7:42
